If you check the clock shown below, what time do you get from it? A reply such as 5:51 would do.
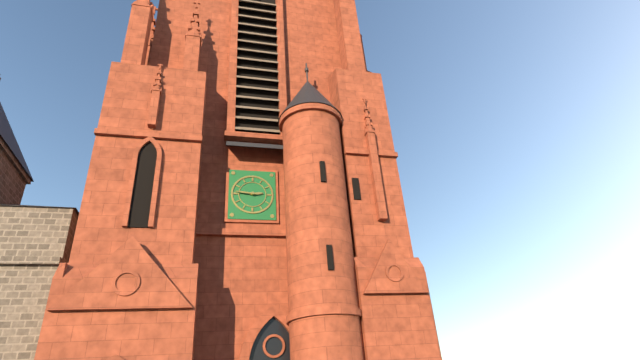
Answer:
2:46
